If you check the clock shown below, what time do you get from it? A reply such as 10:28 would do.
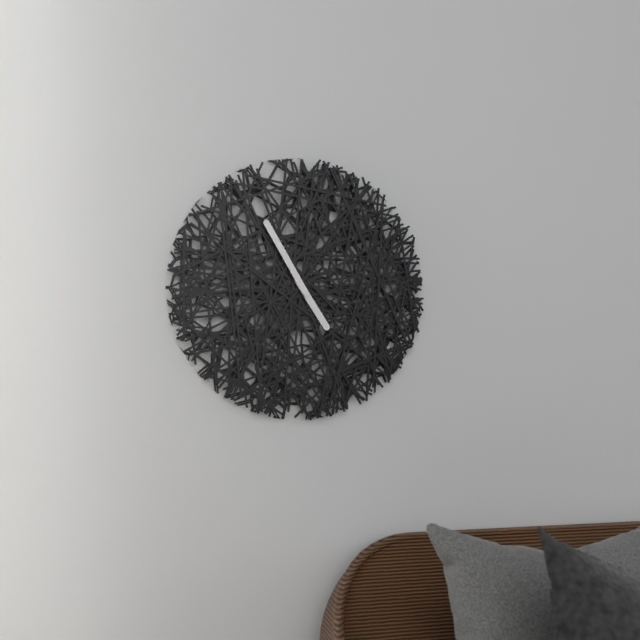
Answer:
4:55
